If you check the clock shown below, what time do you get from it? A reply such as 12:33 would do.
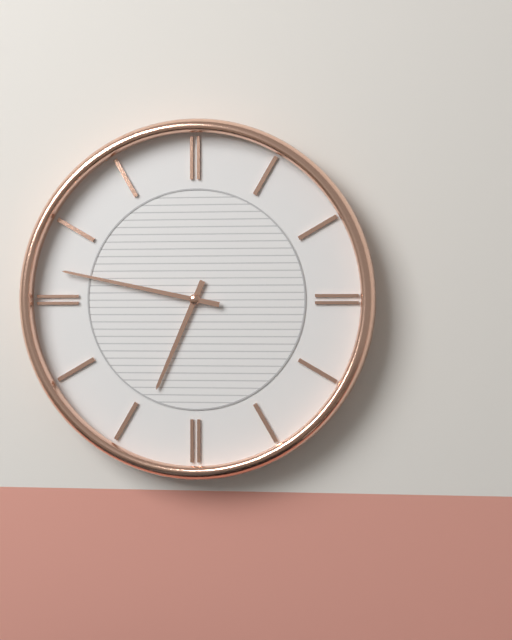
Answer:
6:47
